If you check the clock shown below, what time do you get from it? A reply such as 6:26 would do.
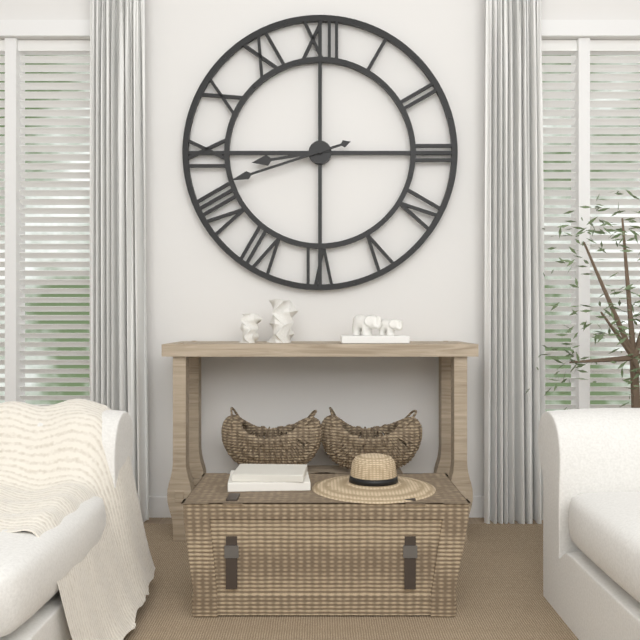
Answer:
8:42
